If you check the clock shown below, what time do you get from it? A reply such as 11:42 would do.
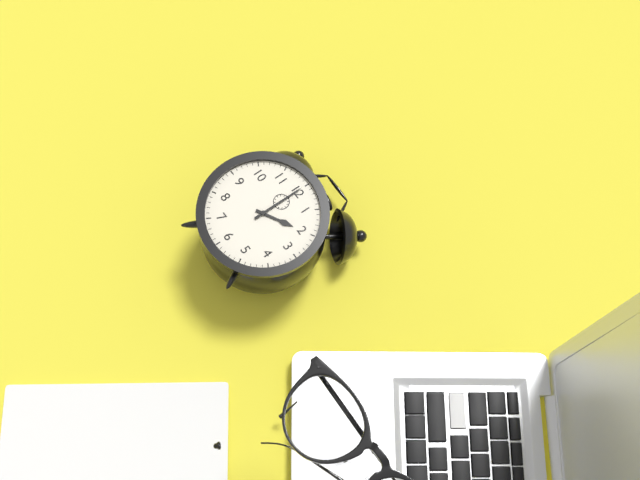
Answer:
2:00
